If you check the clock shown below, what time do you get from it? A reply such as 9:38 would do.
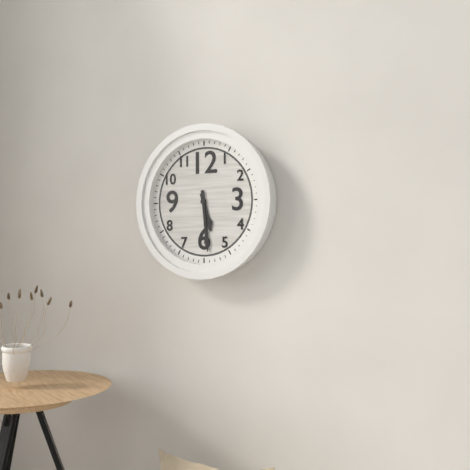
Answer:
5:29
